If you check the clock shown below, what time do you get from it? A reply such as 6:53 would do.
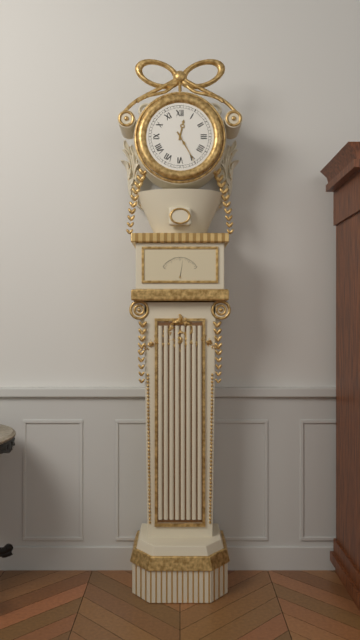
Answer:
12:25
